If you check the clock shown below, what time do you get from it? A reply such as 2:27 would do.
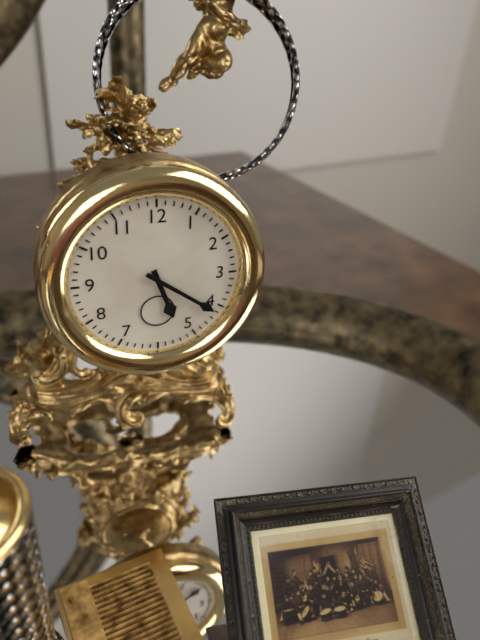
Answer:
5:21
